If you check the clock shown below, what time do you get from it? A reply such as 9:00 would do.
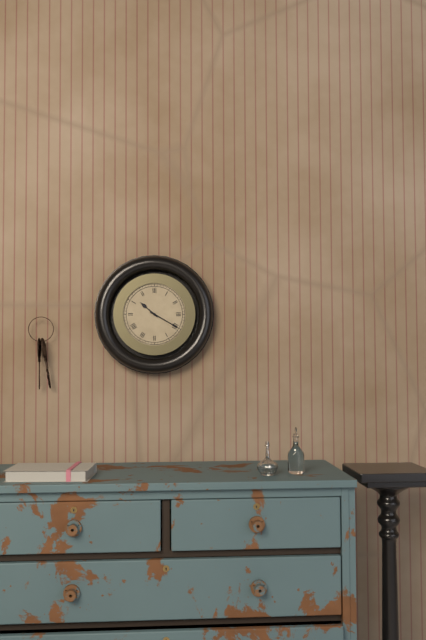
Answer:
10:20
